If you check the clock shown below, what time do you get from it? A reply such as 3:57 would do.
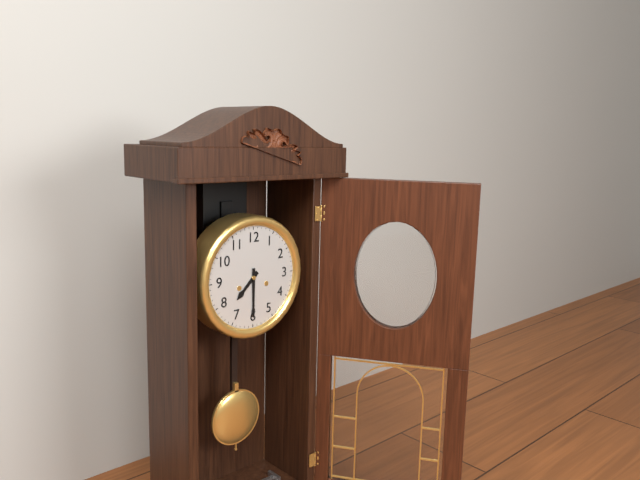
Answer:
7:30
